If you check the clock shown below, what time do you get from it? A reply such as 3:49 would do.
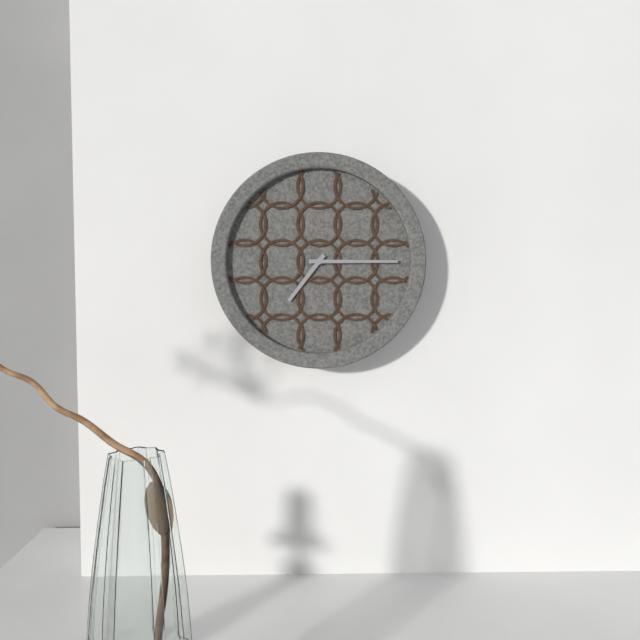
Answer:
7:15
